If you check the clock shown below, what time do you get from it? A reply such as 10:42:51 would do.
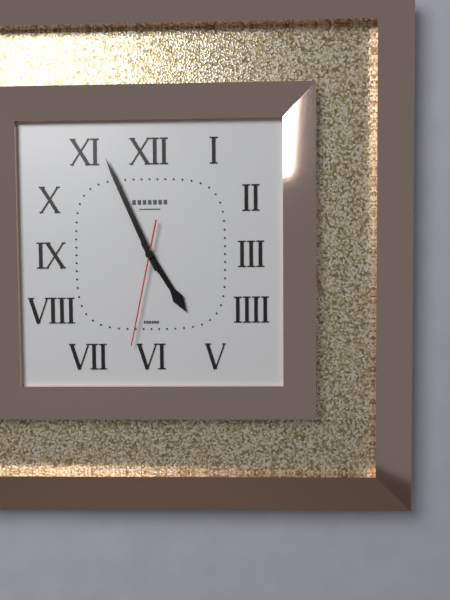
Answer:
4:56:32
